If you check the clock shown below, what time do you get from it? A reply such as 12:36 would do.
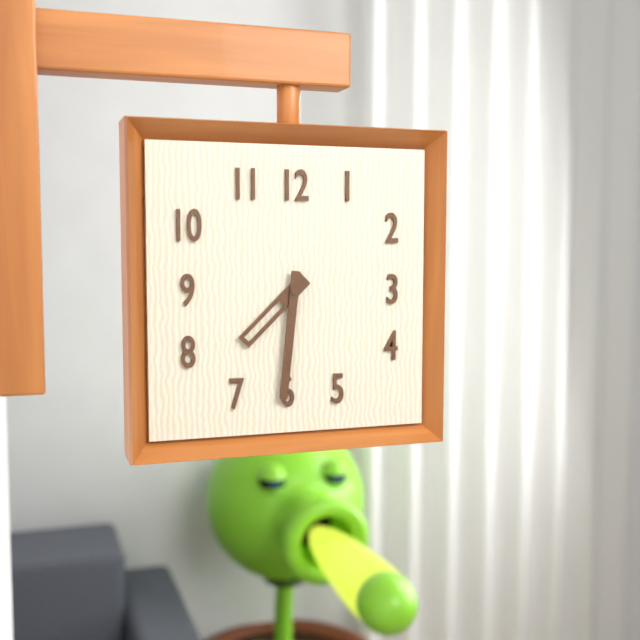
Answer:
7:31
